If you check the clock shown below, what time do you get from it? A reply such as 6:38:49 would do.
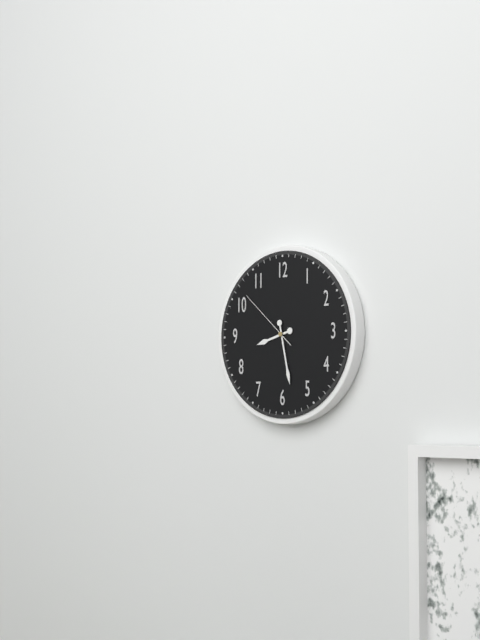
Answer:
8:28:52
